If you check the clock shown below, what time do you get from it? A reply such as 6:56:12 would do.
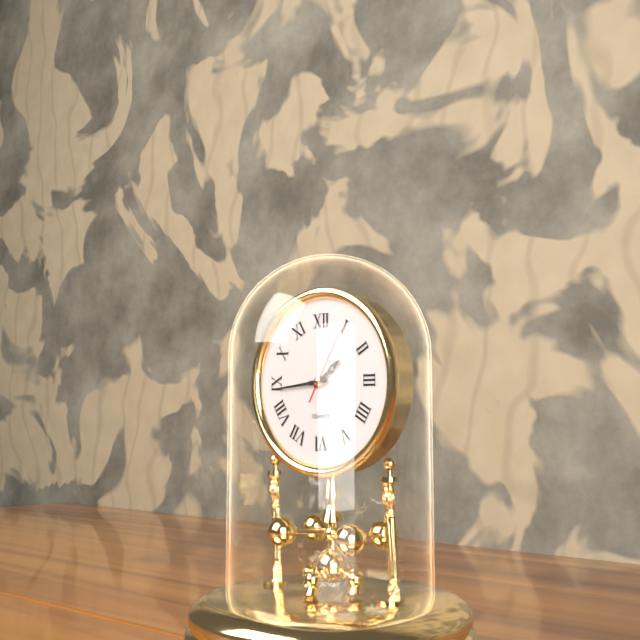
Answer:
1:44:05
